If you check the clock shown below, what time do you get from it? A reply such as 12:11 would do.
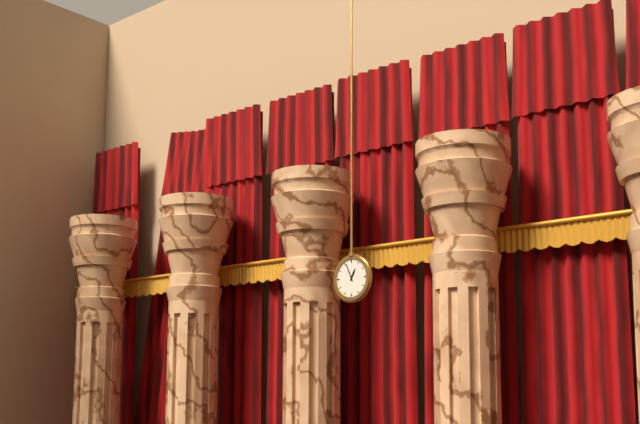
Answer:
12:56
